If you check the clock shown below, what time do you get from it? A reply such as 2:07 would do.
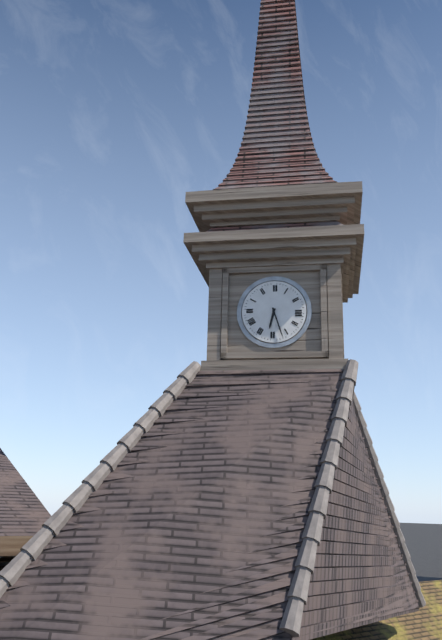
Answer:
6:27
